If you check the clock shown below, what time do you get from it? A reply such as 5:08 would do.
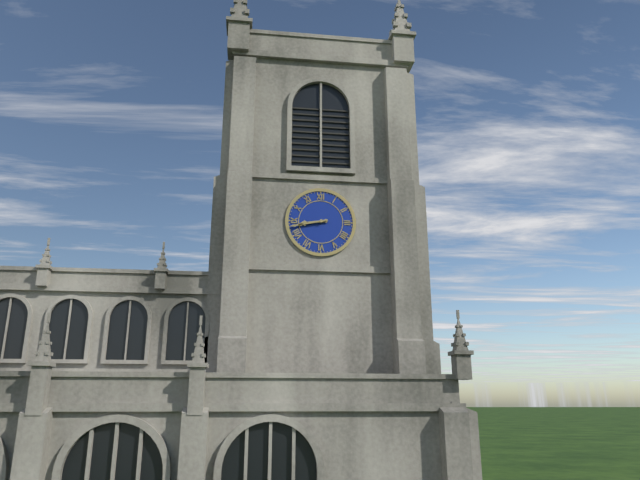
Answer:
8:43
